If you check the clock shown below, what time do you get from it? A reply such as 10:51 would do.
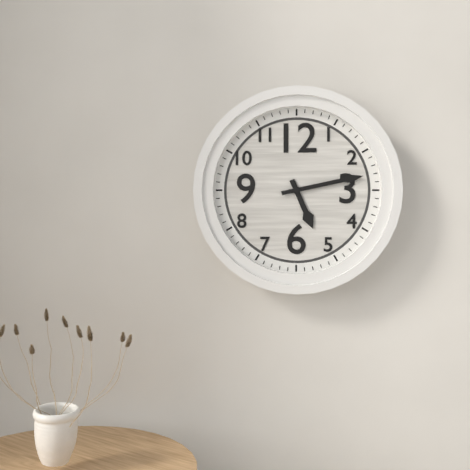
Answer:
5:13
